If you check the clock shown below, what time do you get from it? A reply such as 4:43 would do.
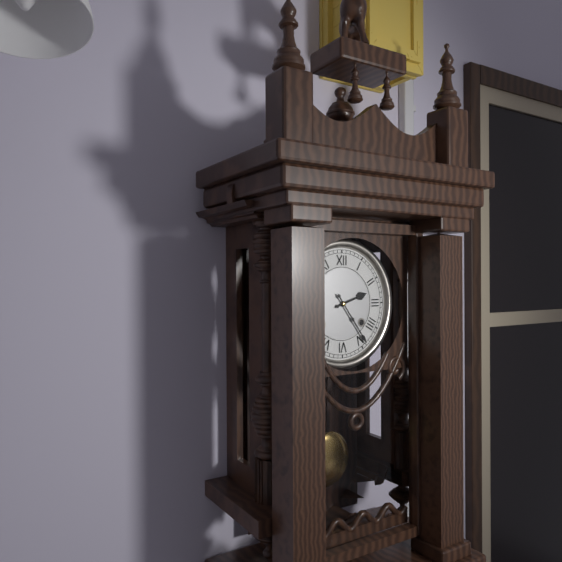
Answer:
2:24
